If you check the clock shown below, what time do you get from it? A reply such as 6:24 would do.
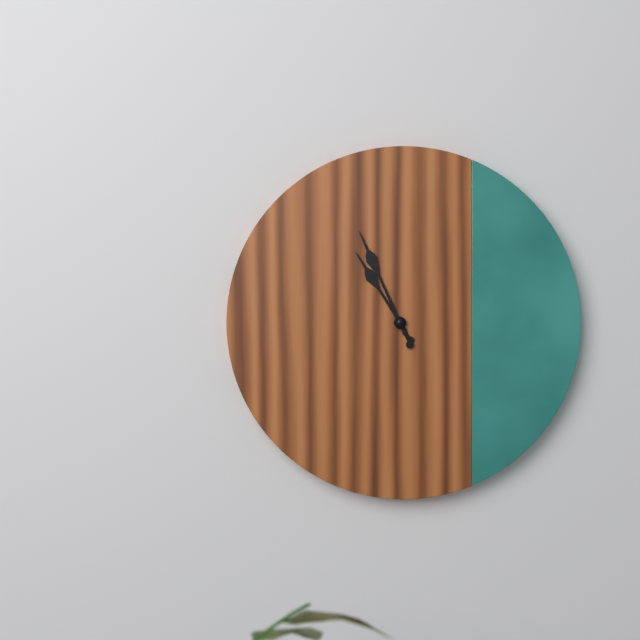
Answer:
10:56
